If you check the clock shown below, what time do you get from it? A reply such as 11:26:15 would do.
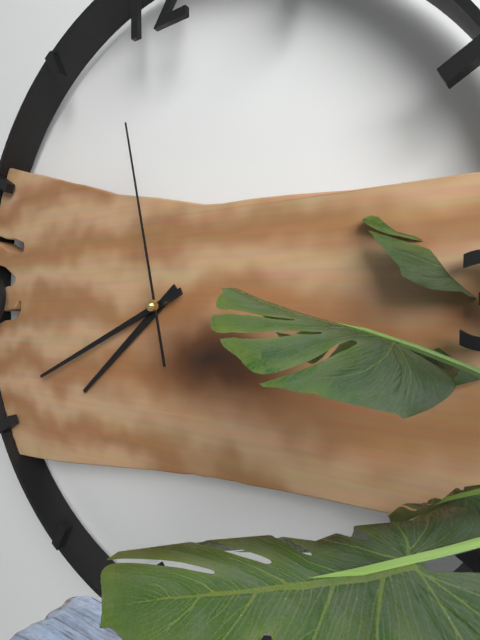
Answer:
7:41:58
